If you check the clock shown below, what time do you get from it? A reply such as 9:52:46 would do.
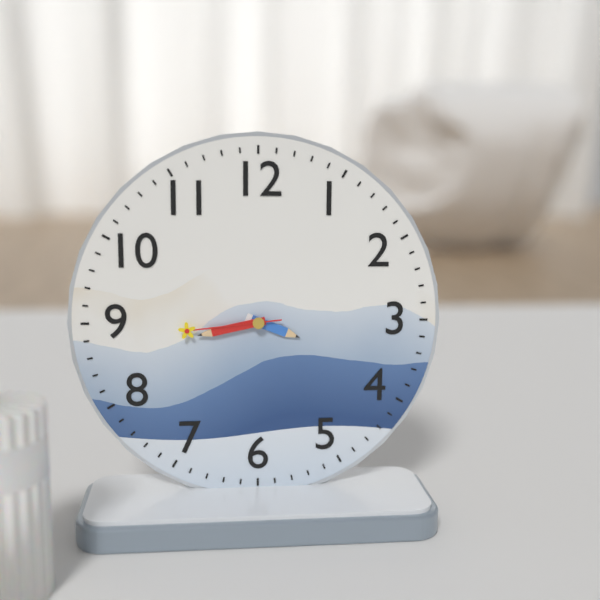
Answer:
3:43:44
